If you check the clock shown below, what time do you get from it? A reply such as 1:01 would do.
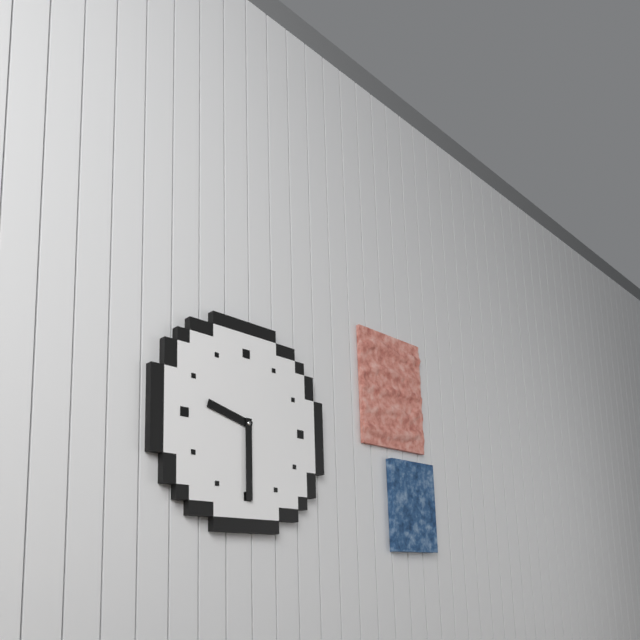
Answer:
9:30
